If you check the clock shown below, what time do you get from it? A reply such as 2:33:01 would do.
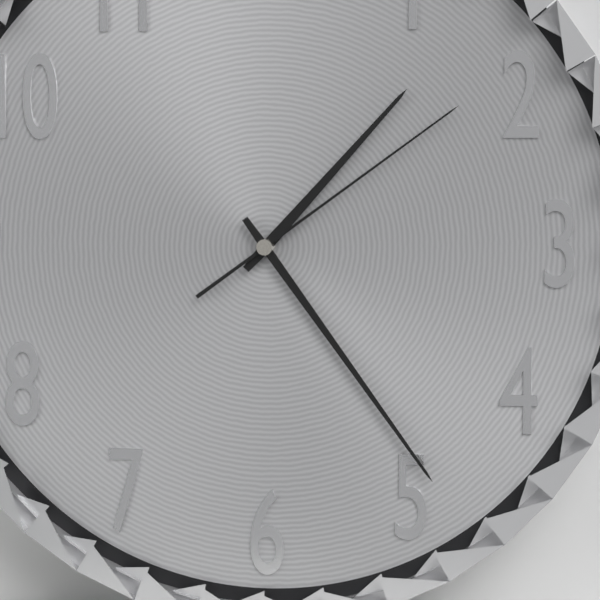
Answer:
1:24:09
